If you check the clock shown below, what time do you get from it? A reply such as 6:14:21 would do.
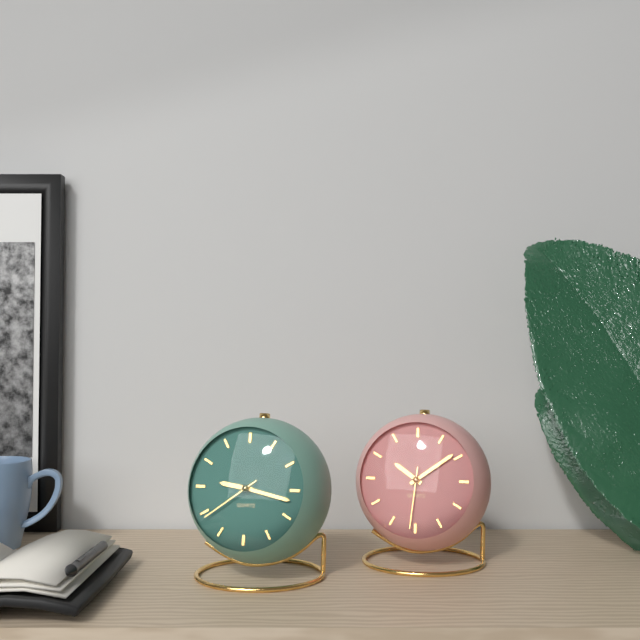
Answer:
9:17:39
